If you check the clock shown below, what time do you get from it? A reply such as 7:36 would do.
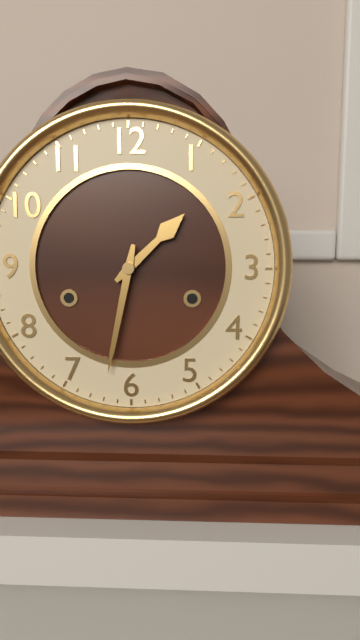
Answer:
1:32
